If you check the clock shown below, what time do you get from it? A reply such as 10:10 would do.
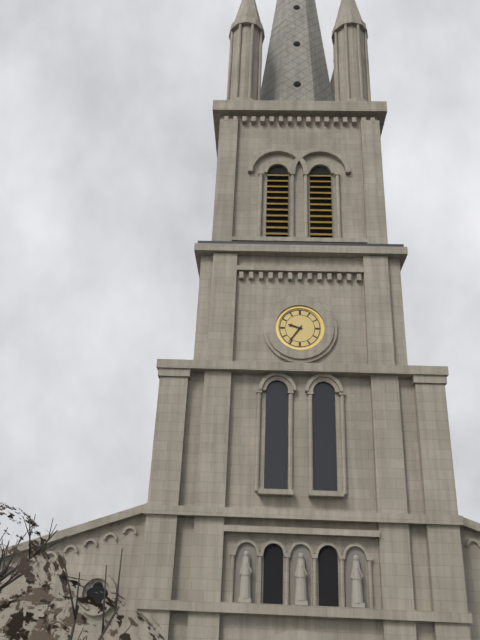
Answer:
9:36
